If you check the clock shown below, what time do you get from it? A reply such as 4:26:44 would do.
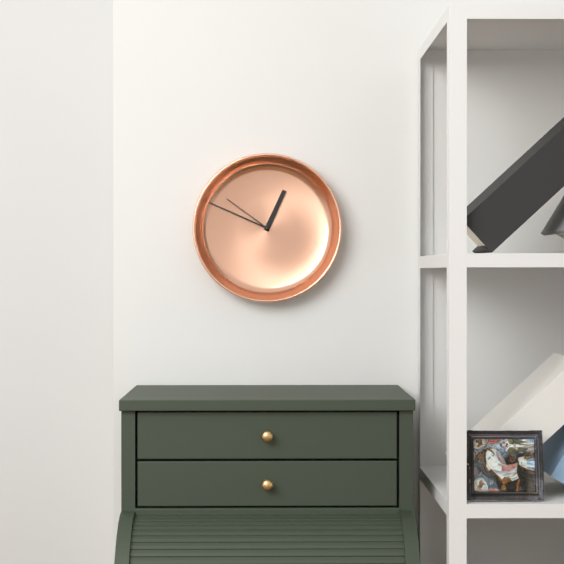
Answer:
12:49:51
